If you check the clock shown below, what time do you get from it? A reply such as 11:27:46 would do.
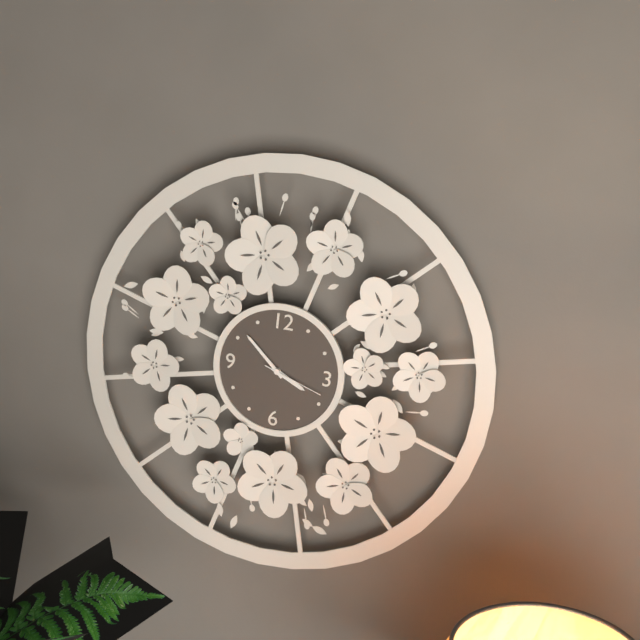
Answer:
3:52:18
